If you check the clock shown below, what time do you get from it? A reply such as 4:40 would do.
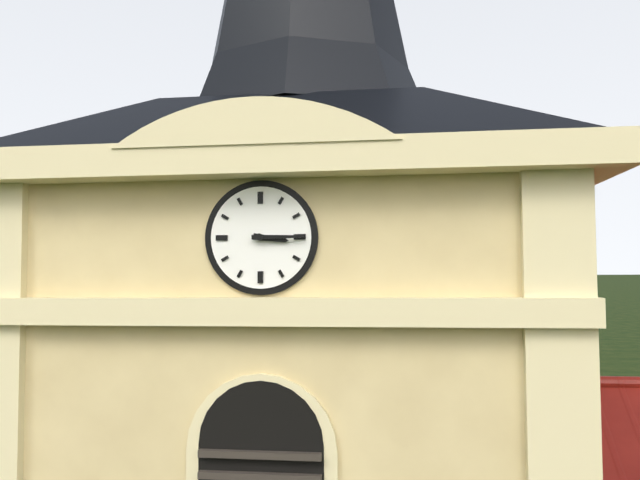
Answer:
3:15
